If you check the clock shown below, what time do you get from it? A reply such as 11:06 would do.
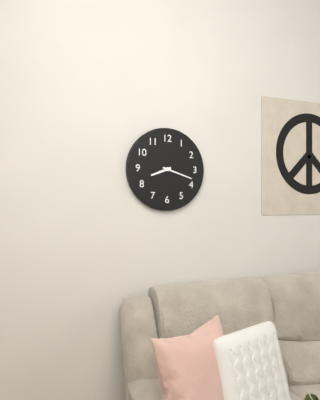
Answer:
8:18
